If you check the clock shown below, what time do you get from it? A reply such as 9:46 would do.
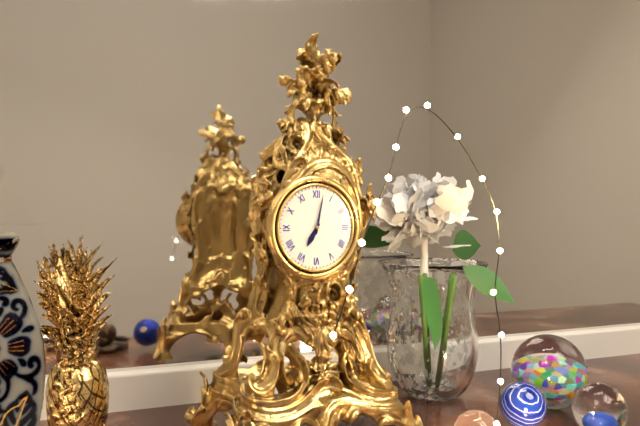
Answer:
7:02
